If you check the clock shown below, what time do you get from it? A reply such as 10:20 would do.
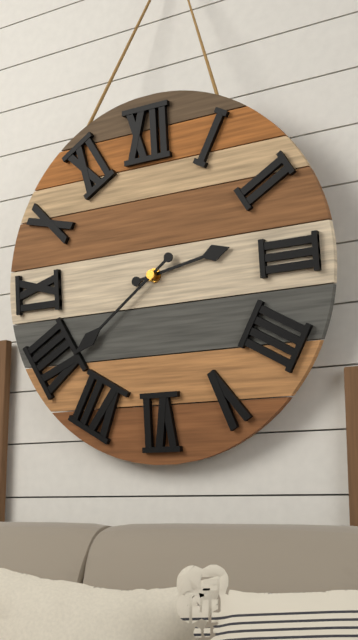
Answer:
2:39
